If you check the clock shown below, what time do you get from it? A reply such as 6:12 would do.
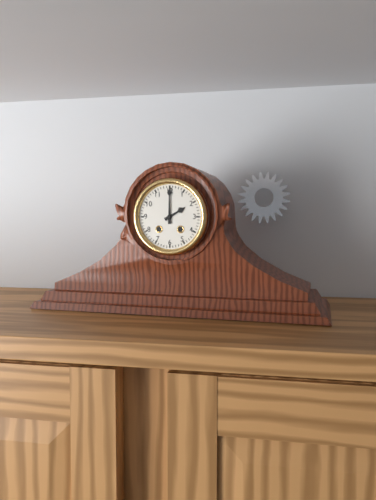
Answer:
2:00
